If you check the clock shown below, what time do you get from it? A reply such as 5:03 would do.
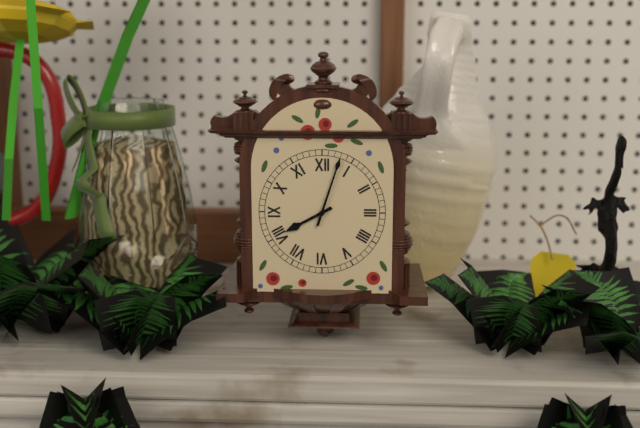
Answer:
8:03
